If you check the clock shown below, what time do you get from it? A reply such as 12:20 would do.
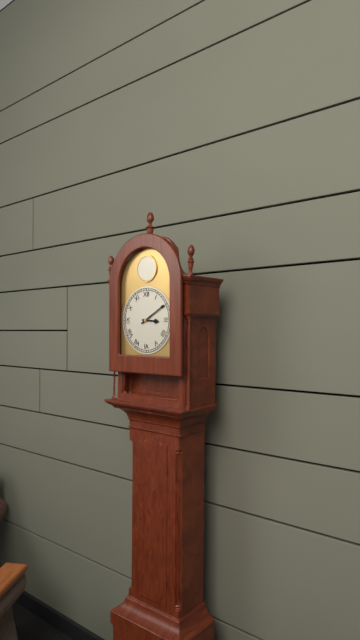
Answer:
3:10
